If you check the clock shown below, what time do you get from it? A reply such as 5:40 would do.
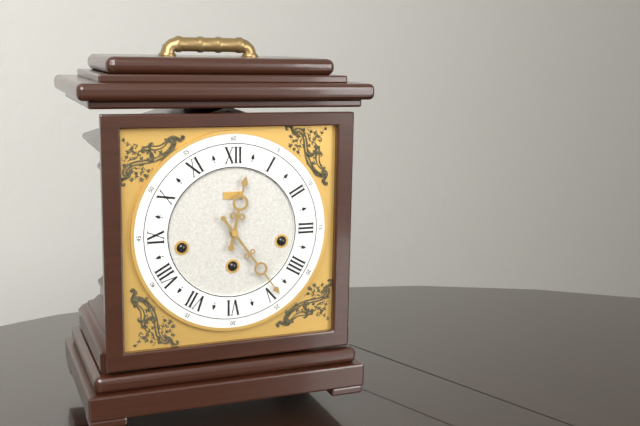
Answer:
12:24
